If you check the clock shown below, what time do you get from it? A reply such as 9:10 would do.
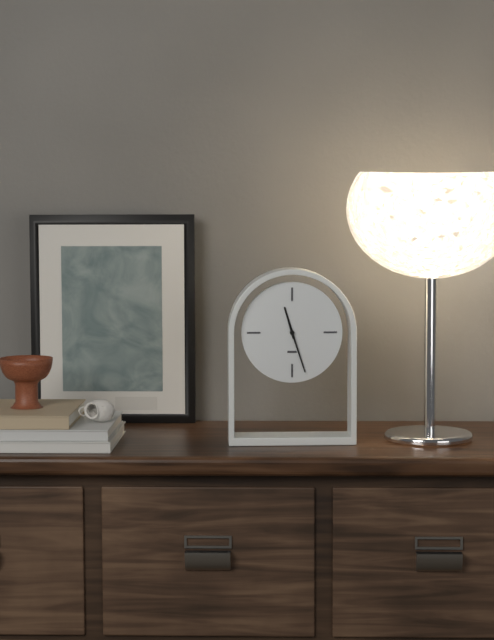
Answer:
11:27
